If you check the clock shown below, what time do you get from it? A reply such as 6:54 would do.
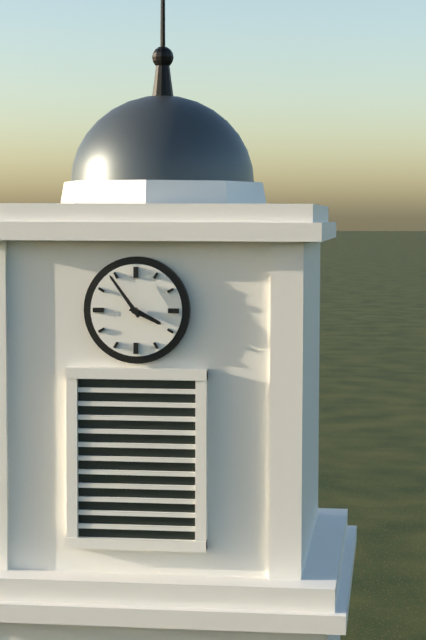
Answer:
3:54
